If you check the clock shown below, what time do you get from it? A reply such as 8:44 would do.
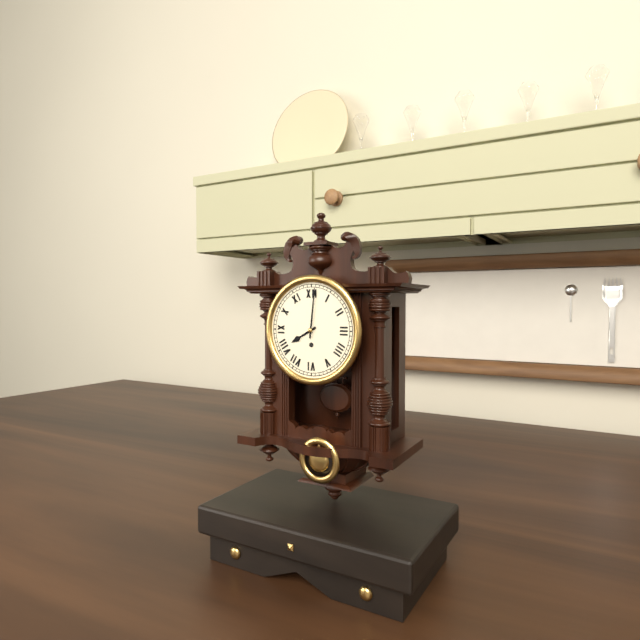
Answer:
8:01
